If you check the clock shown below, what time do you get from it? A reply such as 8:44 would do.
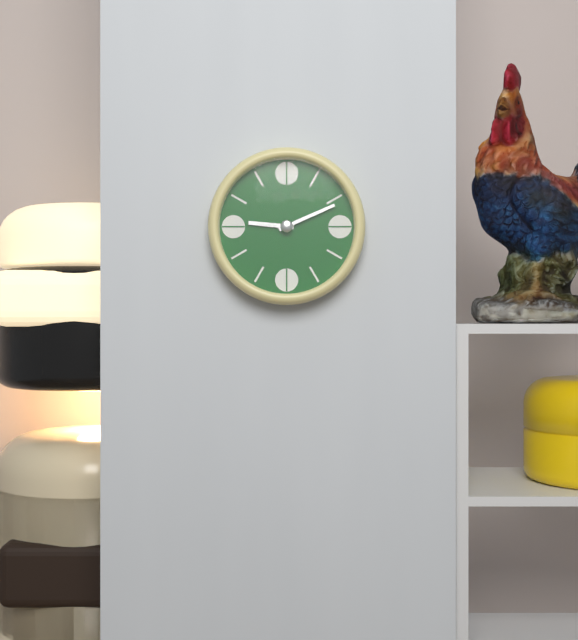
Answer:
9:11
